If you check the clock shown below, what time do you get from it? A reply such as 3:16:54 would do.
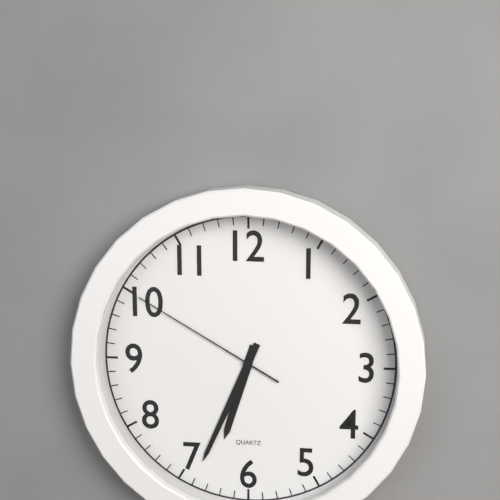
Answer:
6:34:50
